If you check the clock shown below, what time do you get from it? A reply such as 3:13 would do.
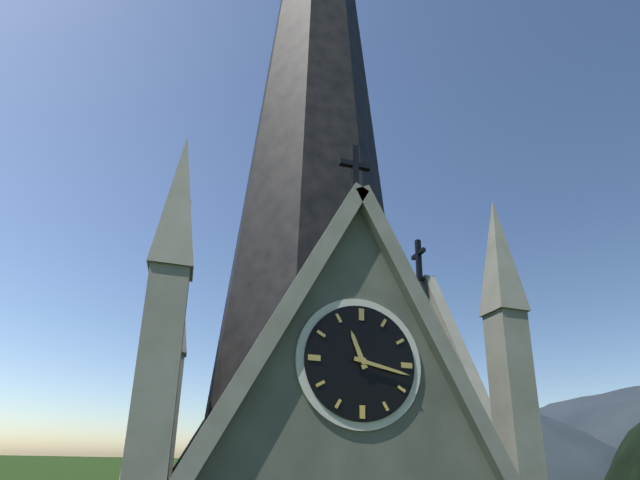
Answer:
11:17
